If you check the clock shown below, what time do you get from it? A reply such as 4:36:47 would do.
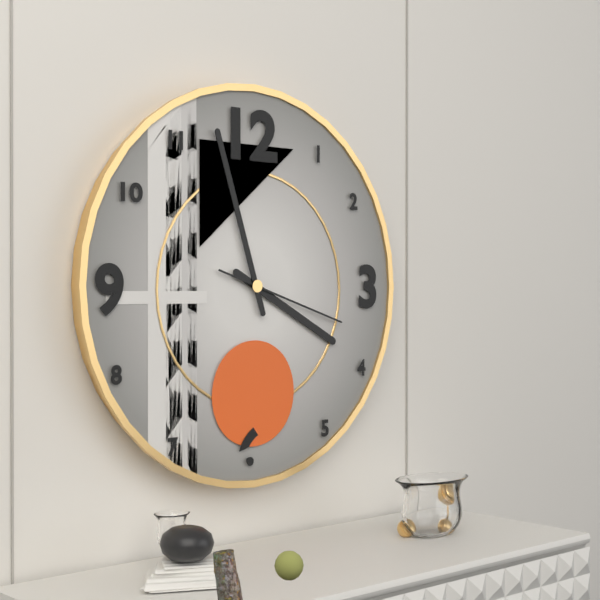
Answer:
3:57:18
